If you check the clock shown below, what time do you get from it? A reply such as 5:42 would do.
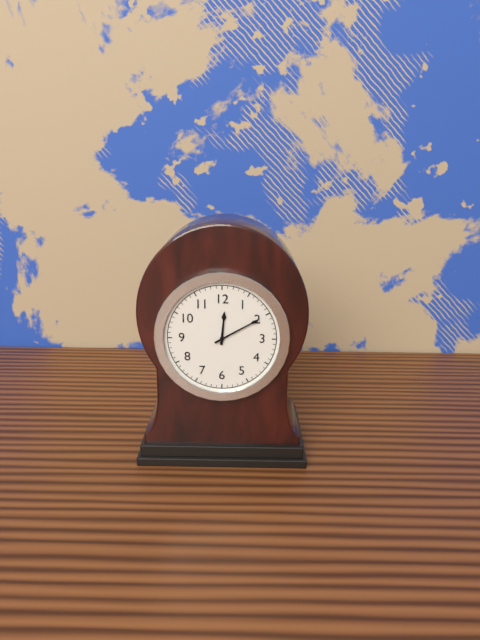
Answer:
12:10
